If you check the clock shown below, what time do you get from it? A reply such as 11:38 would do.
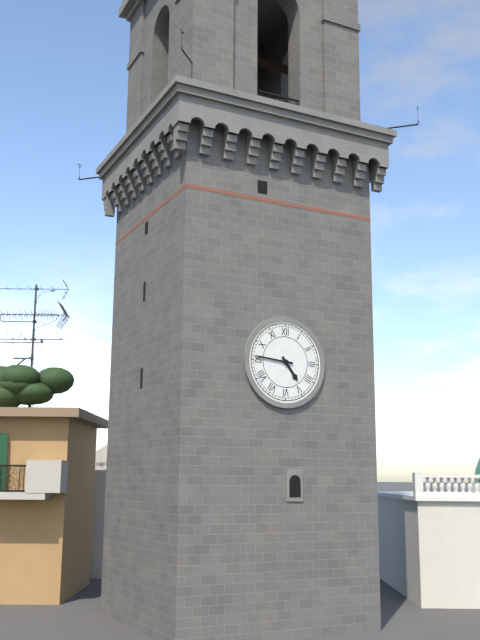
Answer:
4:46
